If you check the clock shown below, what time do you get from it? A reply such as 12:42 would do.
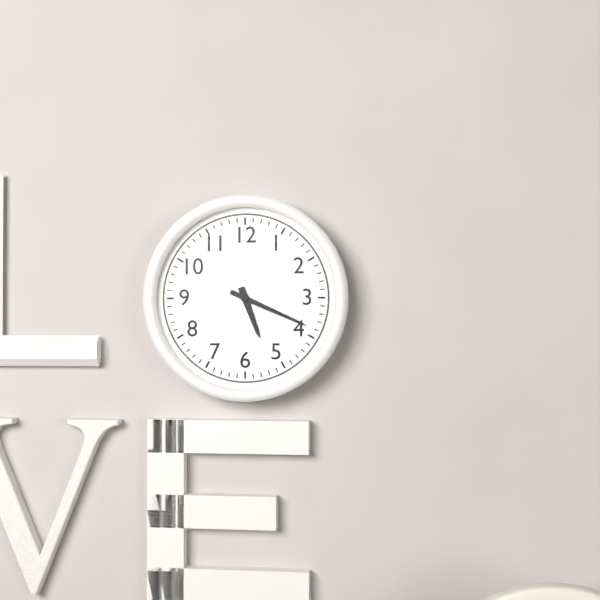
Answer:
5:19
